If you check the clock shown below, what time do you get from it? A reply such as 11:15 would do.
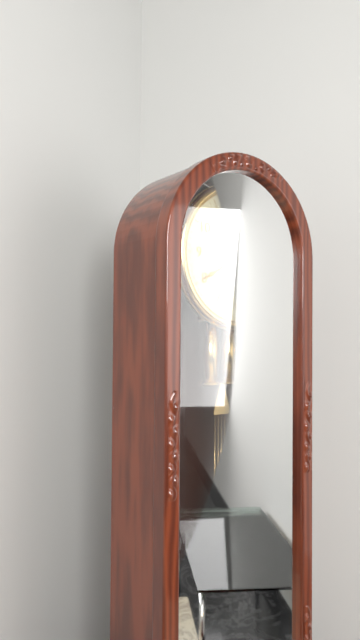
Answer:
2:40
